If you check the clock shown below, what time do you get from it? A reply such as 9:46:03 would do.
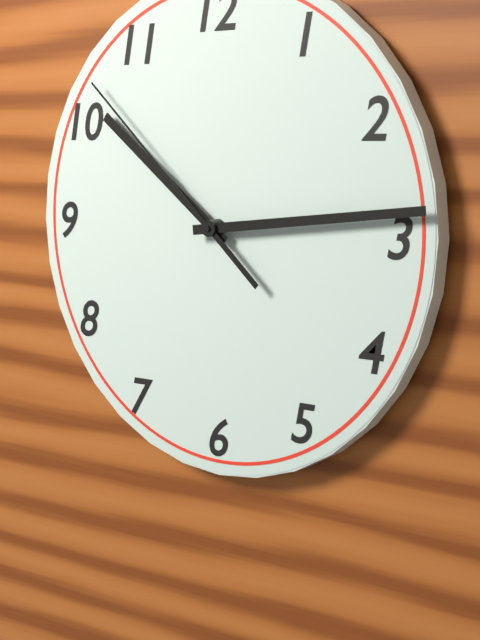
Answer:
10:14:52
